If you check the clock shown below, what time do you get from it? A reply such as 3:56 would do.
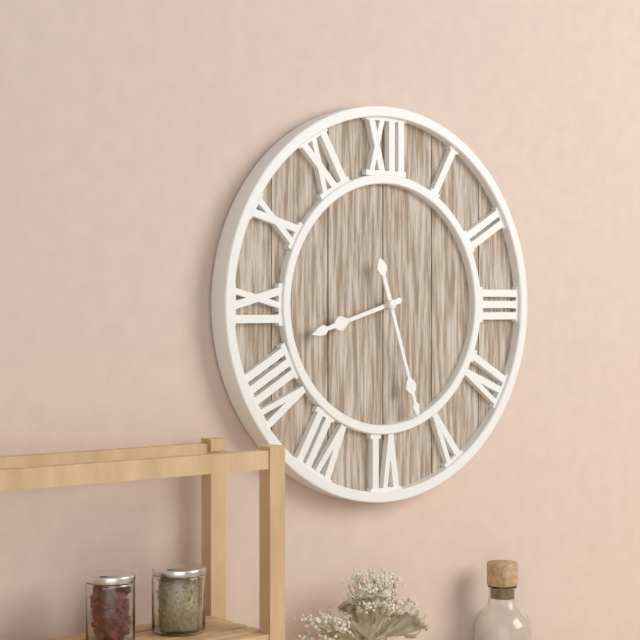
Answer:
8:27
